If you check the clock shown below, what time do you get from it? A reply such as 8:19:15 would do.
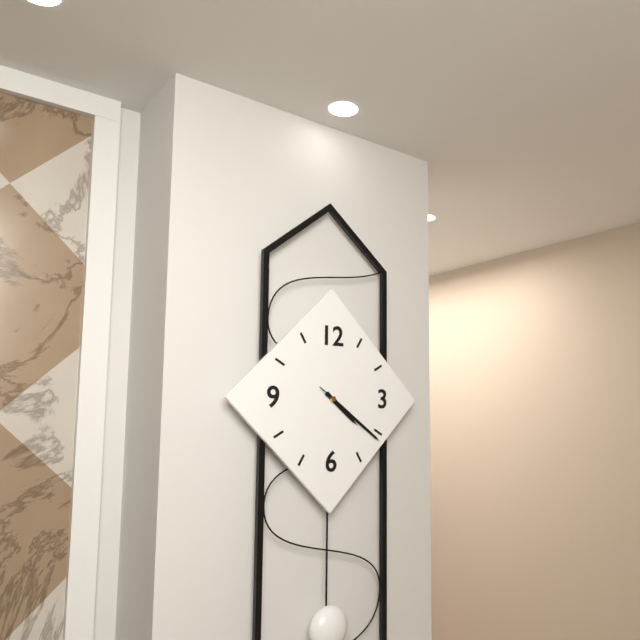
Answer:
4:21:21
